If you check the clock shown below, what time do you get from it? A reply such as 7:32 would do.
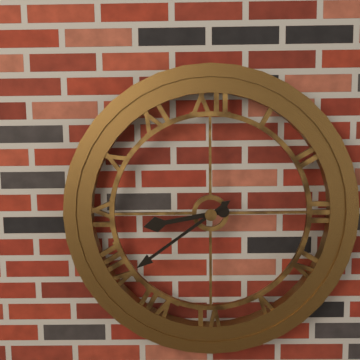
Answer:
8:39
